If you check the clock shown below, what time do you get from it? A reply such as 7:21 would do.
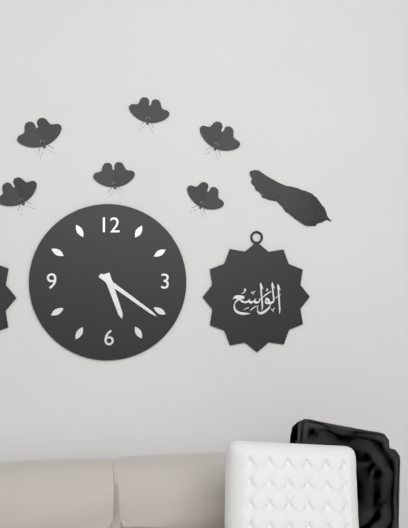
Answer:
5:21
